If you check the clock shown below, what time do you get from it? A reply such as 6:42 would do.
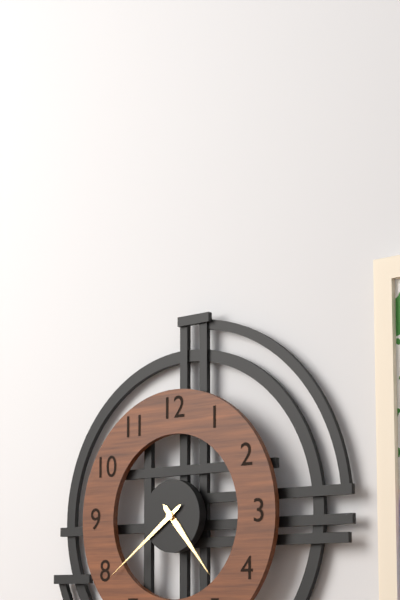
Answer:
4:39
